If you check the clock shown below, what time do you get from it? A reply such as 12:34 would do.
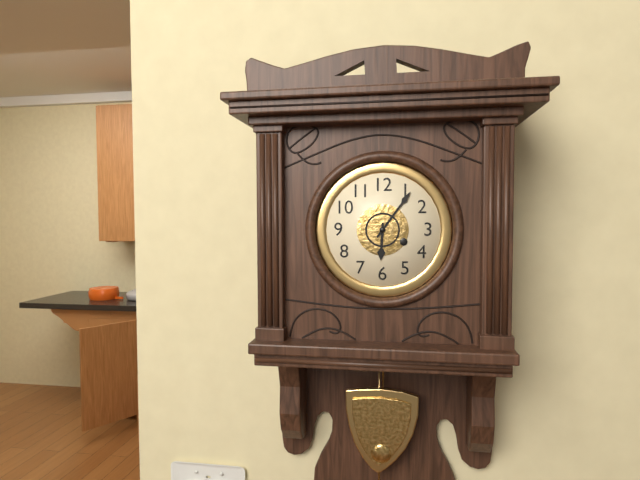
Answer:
6:06
